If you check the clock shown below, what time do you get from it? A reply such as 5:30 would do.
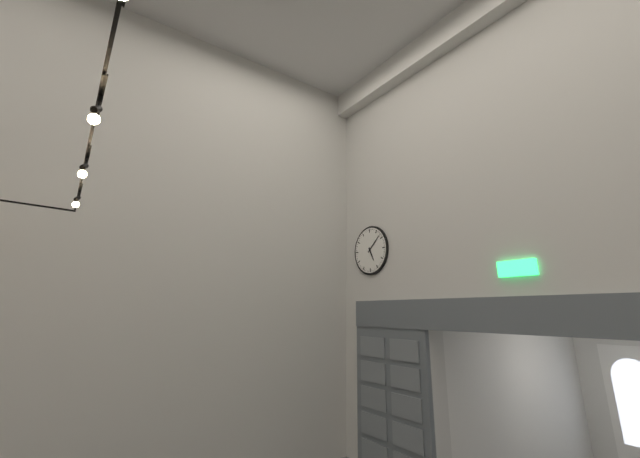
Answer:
5:08
